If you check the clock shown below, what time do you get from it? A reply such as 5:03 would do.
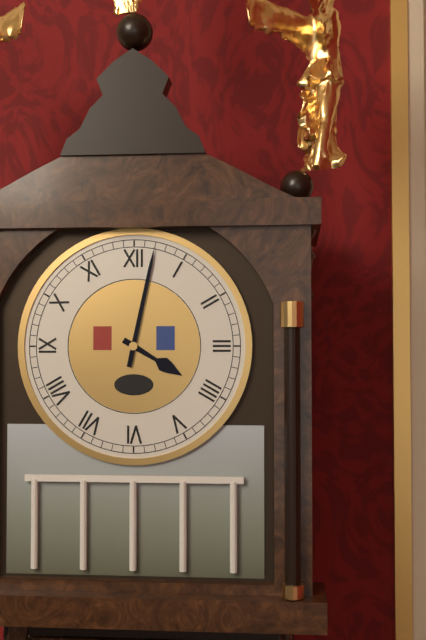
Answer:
4:02
